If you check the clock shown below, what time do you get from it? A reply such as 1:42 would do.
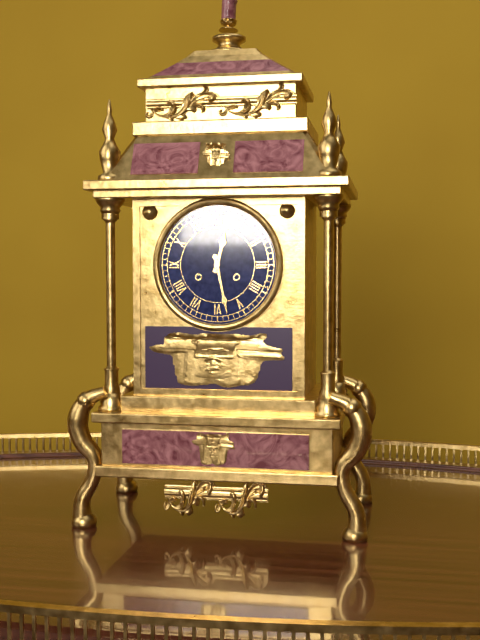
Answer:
12:28
